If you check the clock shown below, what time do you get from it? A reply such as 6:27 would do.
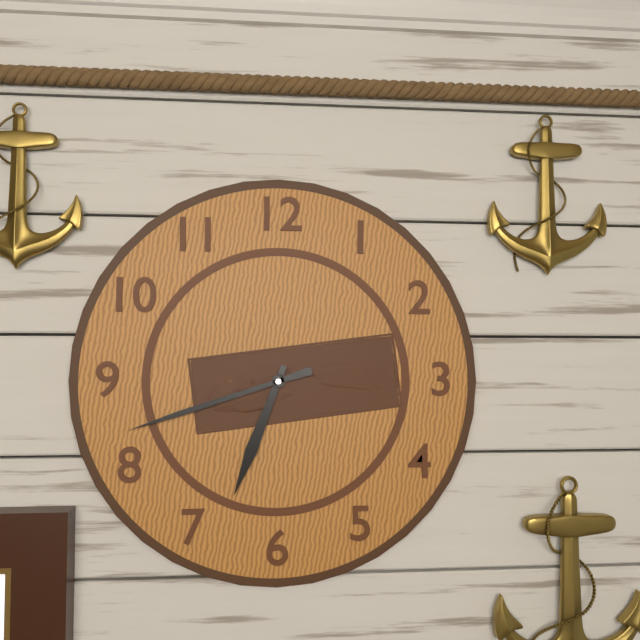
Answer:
6:42
